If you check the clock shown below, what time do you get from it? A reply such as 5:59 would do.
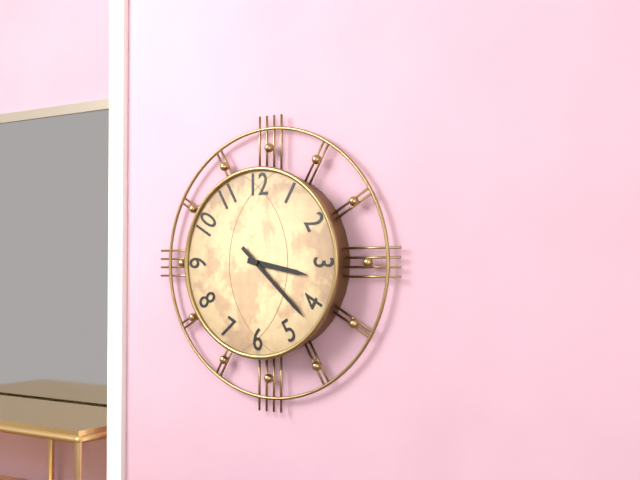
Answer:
3:22
